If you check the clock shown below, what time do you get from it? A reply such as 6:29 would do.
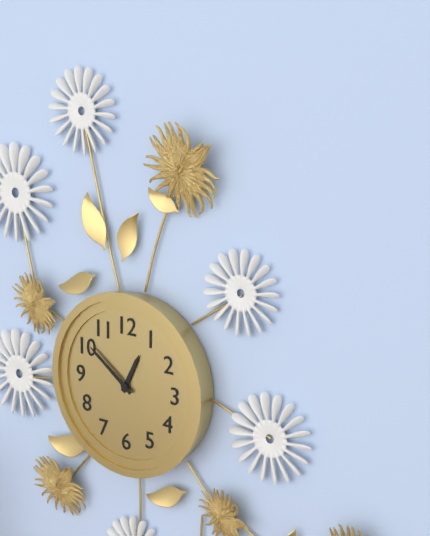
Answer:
12:51
